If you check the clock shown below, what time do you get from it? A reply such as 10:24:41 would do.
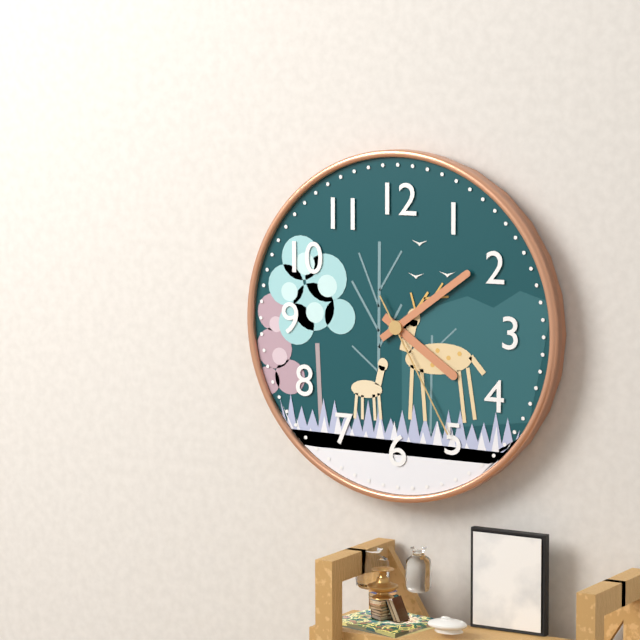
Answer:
4:09:25
